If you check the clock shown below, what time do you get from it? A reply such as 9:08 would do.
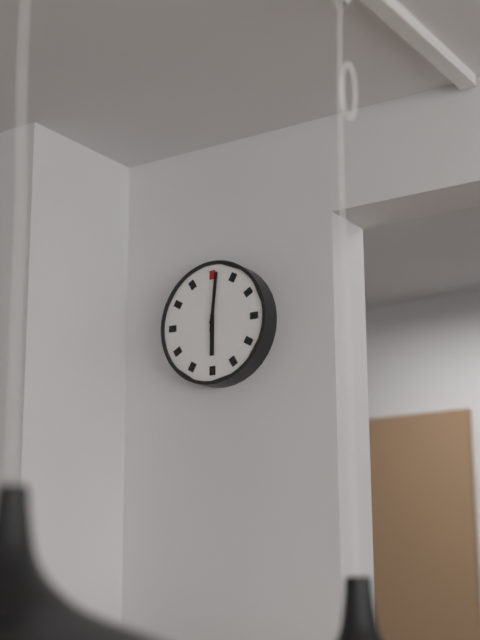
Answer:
6:01
